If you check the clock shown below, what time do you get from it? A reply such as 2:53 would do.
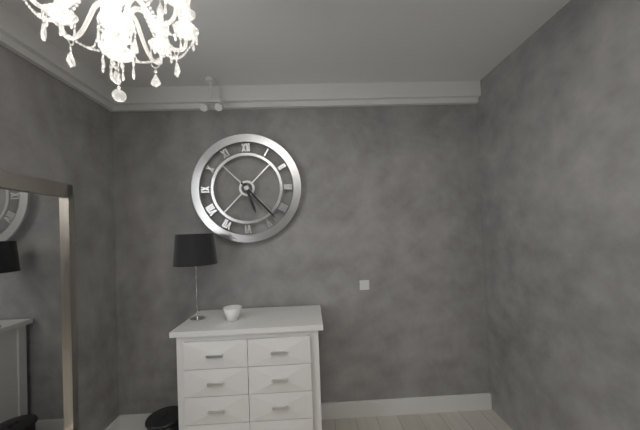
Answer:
5:23
